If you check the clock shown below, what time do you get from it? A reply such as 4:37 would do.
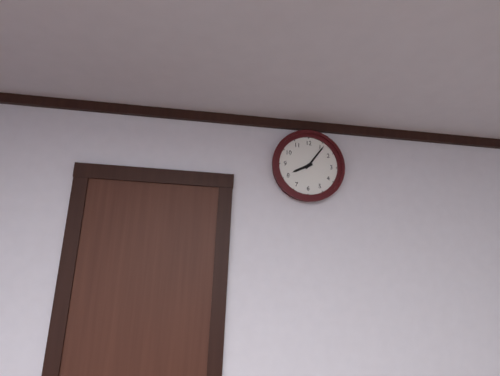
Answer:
8:06
